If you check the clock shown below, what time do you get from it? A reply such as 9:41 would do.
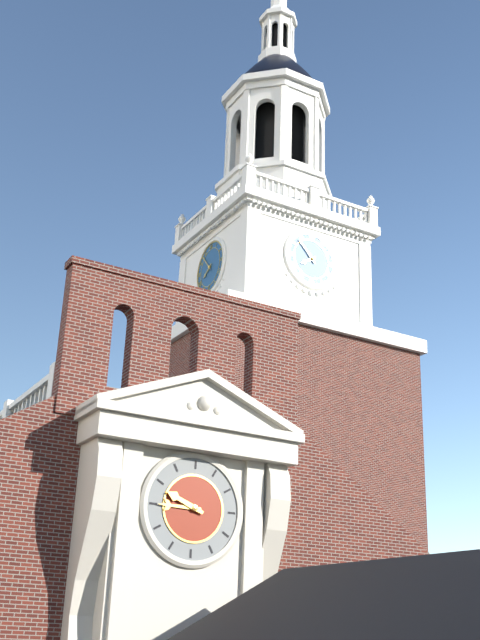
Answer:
7:53
